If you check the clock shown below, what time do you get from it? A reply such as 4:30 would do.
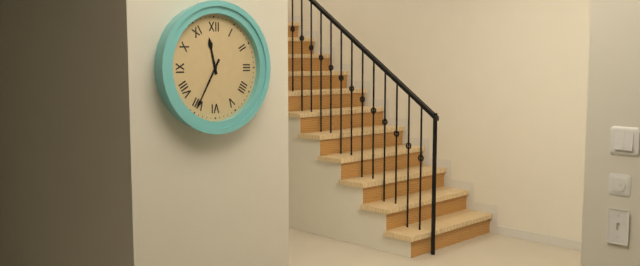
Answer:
11:35
